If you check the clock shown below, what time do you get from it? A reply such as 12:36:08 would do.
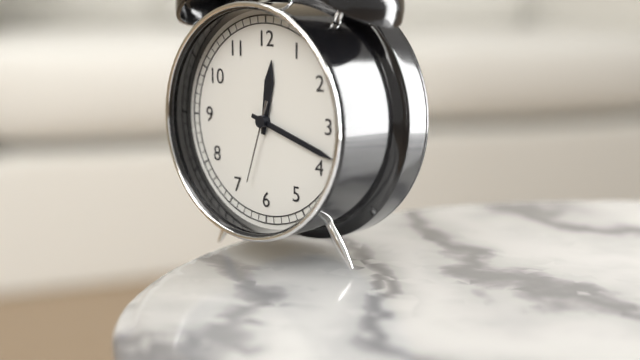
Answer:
12:18:33
